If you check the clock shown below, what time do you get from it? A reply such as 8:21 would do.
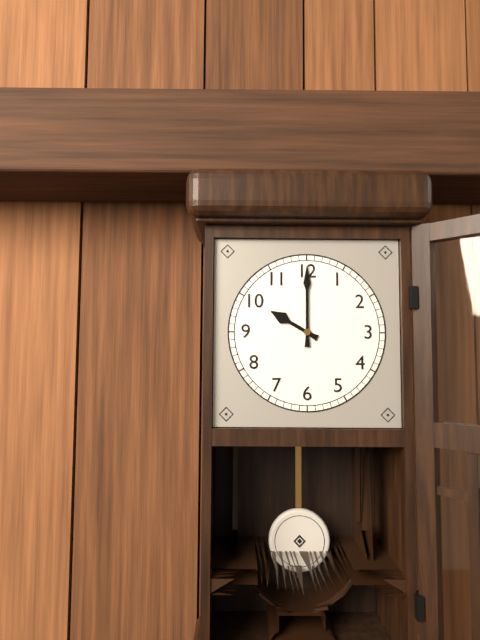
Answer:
10:00
